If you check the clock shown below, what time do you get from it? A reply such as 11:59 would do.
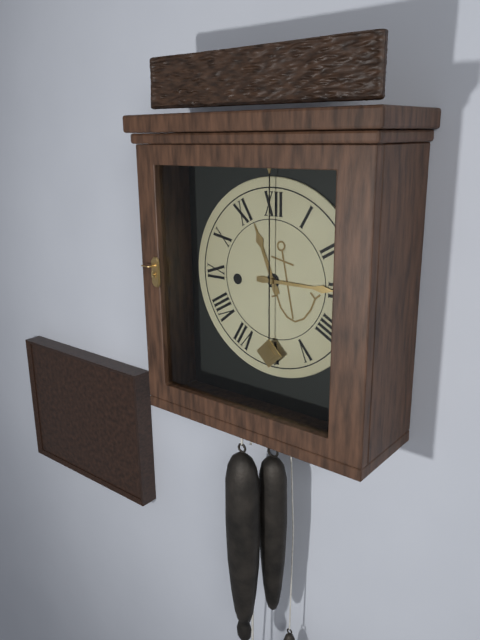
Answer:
11:15
